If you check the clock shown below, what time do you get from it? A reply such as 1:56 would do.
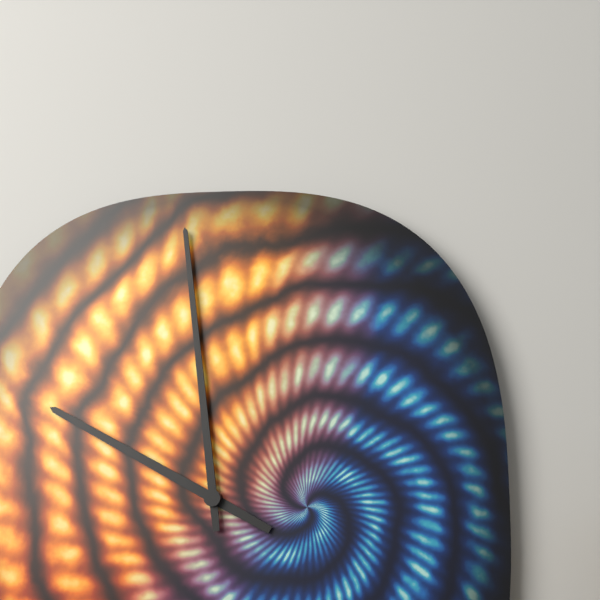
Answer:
9:59
